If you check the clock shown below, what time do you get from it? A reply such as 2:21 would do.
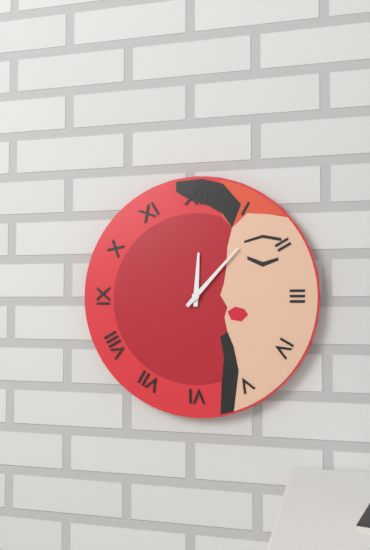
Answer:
12:07
